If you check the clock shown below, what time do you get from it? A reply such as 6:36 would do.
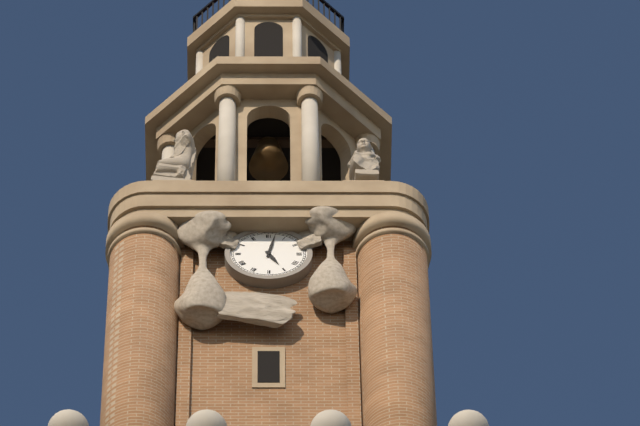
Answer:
5:02
